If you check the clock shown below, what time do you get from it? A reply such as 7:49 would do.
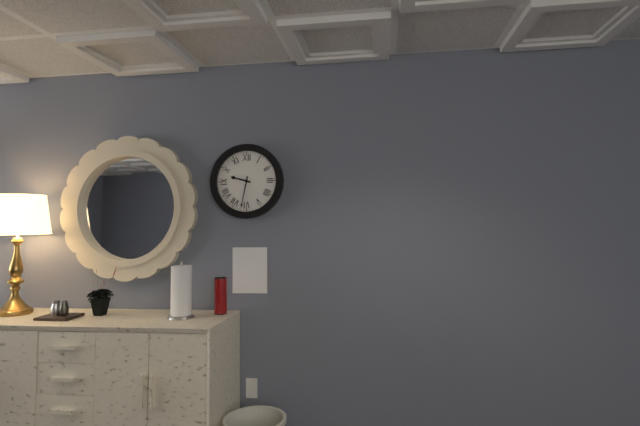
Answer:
9:32
